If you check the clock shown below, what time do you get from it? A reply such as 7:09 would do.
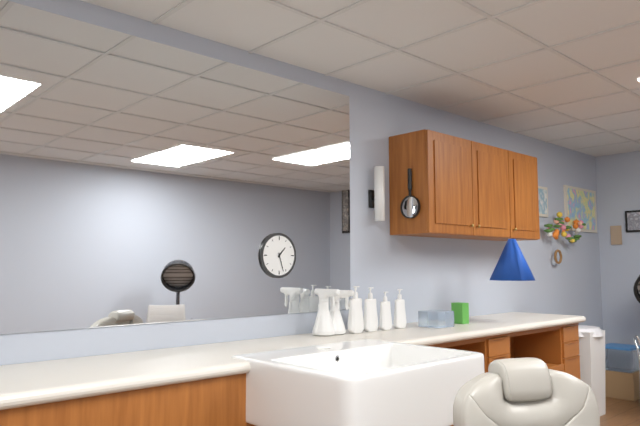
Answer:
1:27
